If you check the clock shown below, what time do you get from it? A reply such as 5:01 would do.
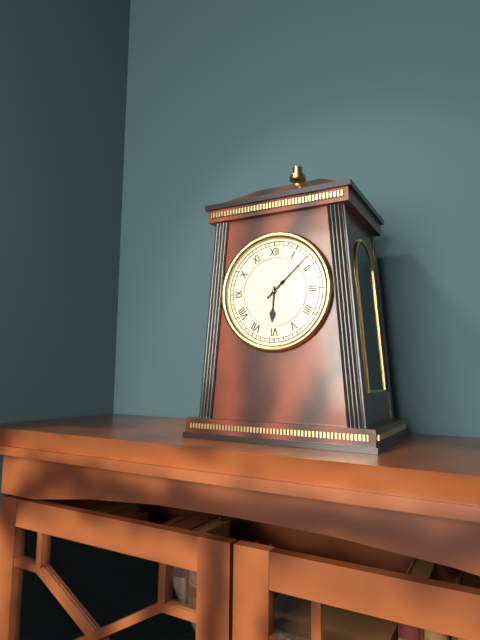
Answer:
6:08
